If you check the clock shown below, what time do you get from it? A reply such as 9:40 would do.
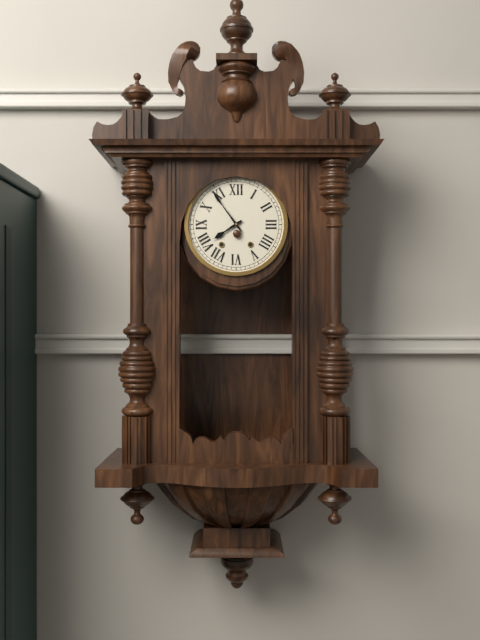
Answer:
7:54
